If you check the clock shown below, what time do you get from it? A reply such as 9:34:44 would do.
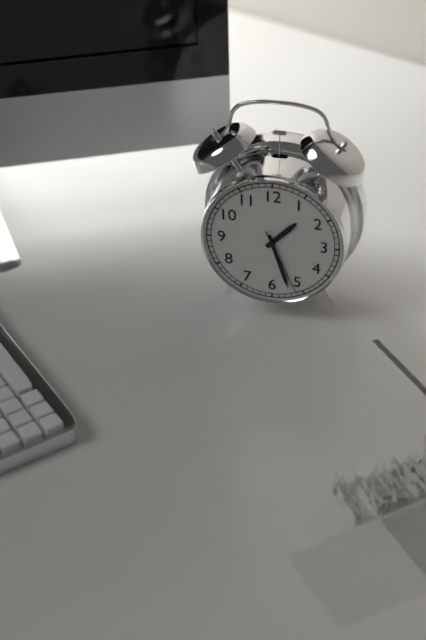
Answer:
1:27:26
